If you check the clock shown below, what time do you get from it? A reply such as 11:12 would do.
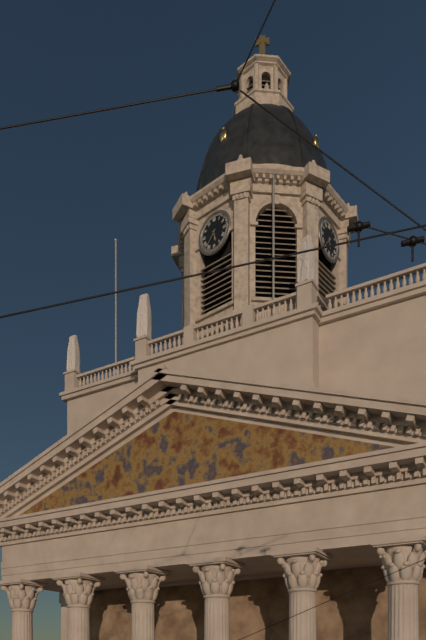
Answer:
5:37
